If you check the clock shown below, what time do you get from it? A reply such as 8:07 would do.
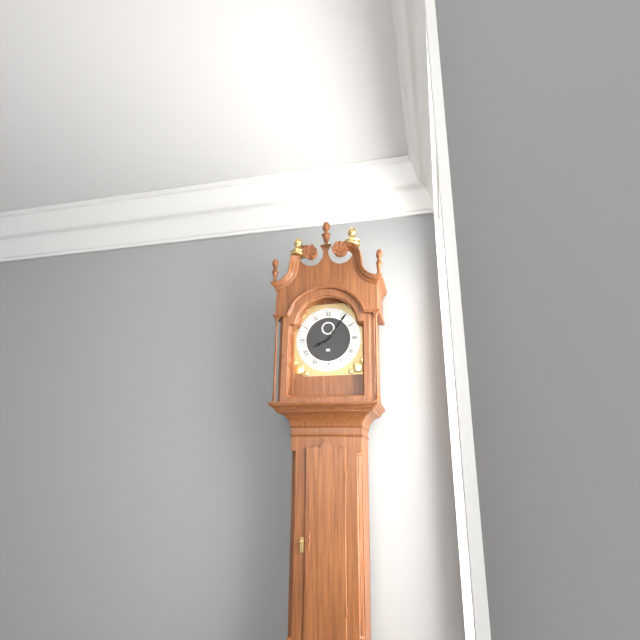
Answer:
8:06
